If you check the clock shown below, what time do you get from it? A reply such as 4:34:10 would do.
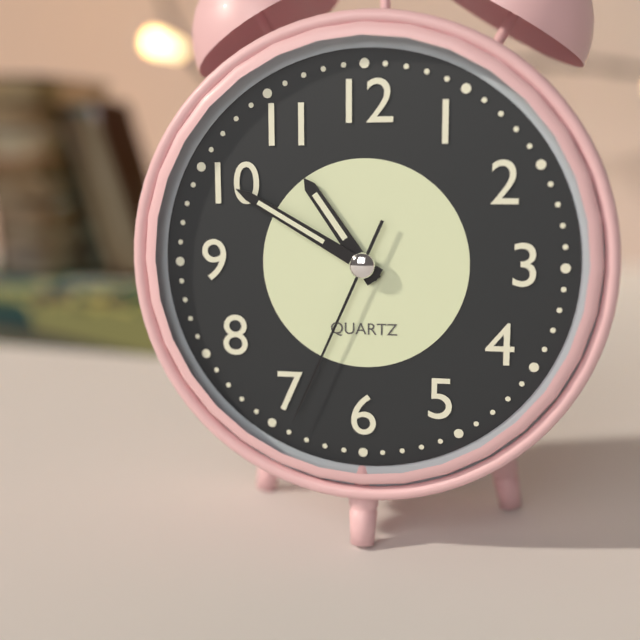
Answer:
10:50:34
